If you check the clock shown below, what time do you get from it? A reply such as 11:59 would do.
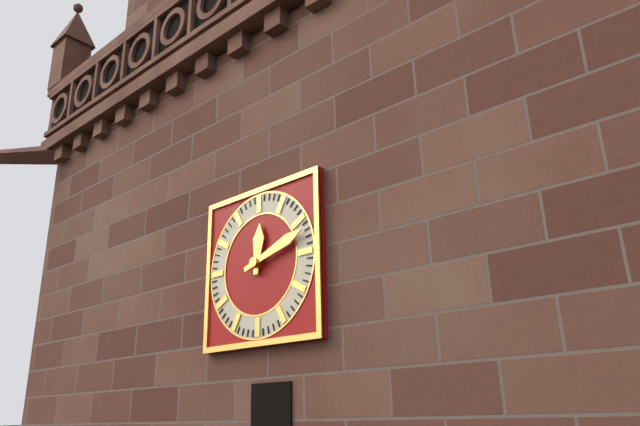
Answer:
12:12
